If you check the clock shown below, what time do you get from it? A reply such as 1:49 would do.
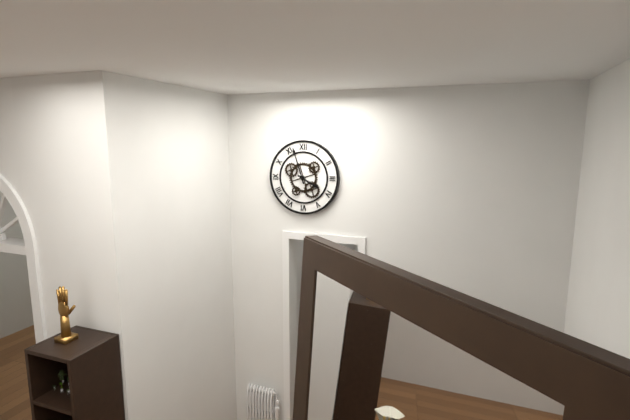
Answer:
3:57
